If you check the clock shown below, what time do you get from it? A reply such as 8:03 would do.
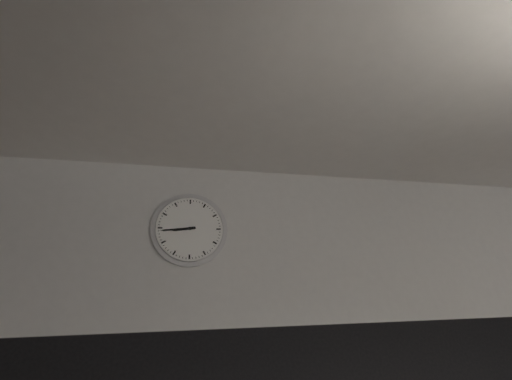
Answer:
8:44
